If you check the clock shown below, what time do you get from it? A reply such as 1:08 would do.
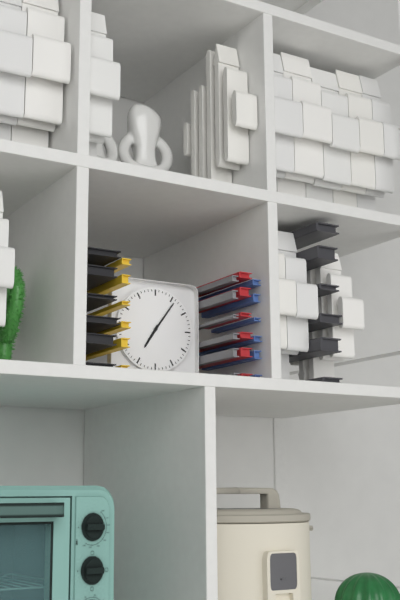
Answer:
7:06
